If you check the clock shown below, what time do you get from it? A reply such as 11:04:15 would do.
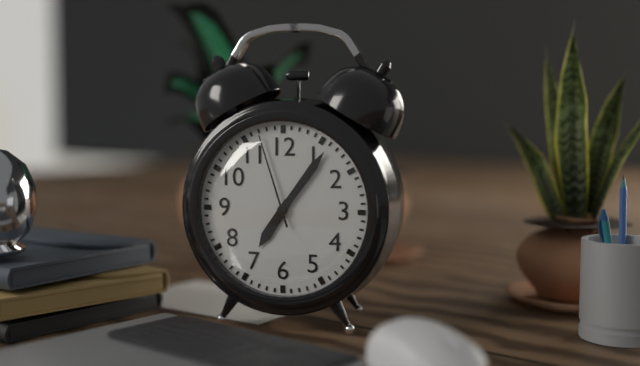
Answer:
7:06:57
